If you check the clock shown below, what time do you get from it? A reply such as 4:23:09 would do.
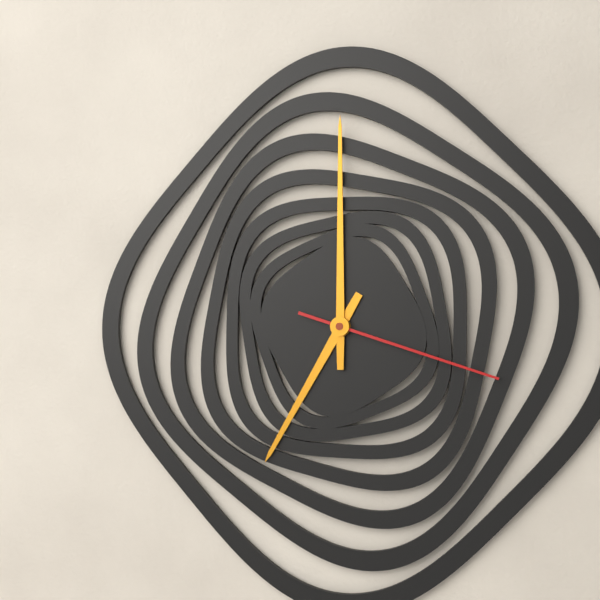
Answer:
7:00:18
